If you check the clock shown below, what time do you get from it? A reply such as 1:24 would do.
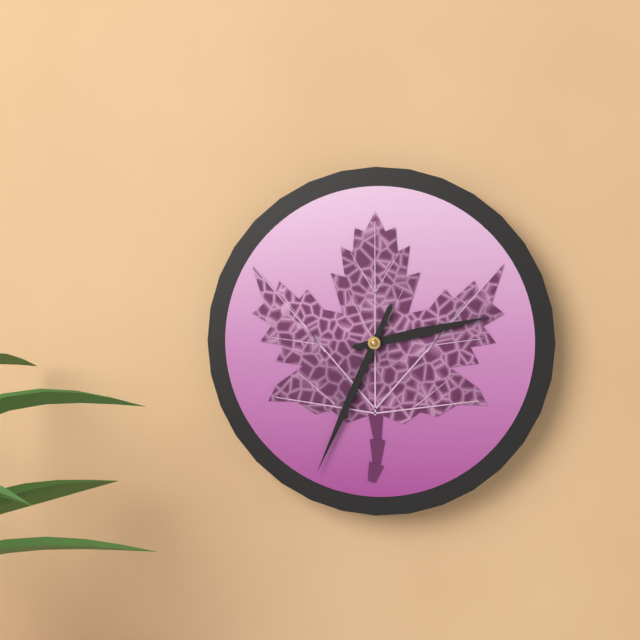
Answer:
2:34
